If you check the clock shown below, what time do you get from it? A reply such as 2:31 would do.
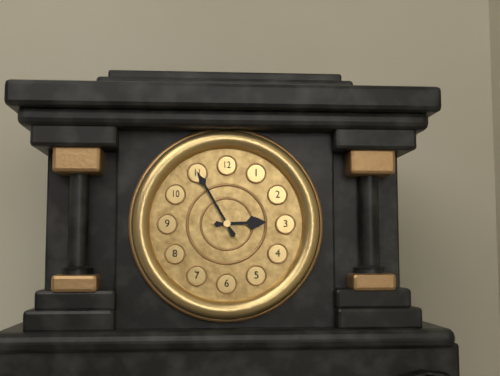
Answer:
2:55
